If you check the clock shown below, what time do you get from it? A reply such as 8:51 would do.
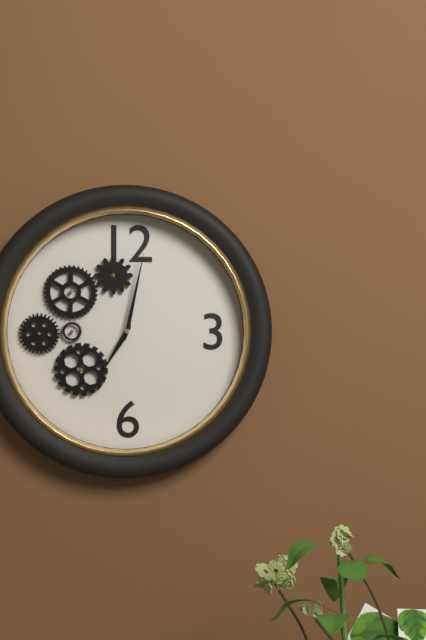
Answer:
7:02
